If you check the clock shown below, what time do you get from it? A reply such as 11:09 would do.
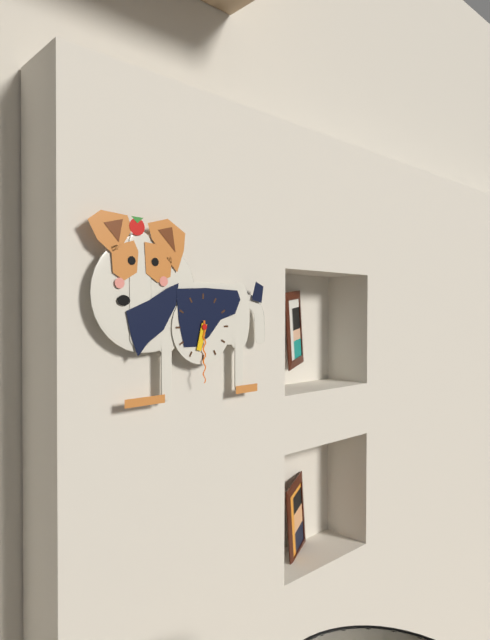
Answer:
6:30
